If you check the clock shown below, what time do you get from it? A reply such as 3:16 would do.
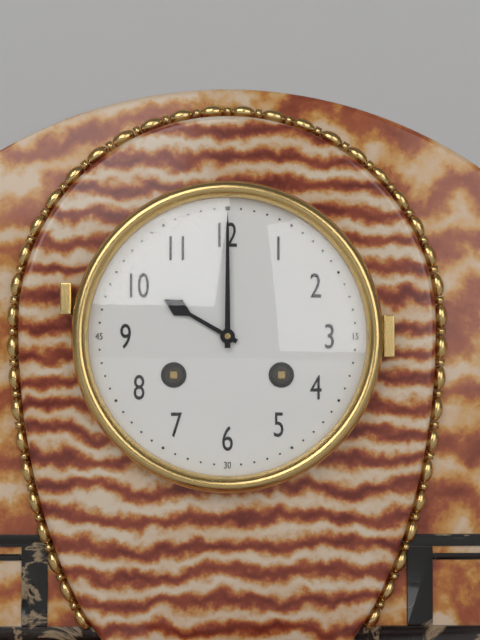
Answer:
10:00
